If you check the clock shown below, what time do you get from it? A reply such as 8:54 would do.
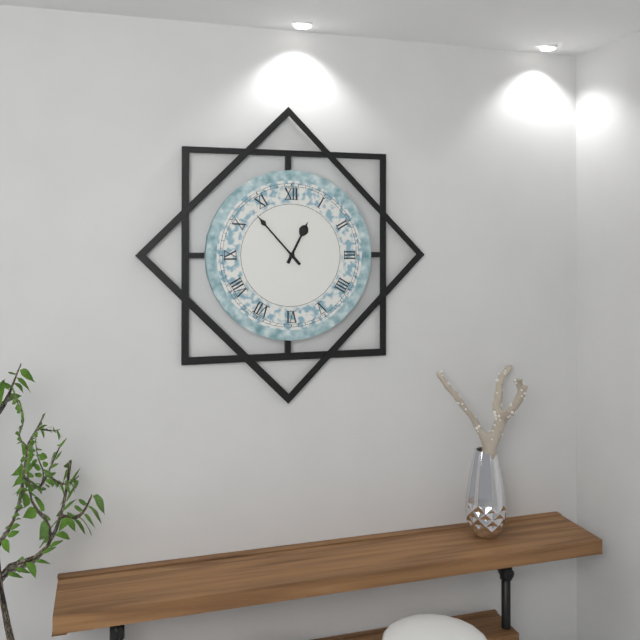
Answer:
12:53
